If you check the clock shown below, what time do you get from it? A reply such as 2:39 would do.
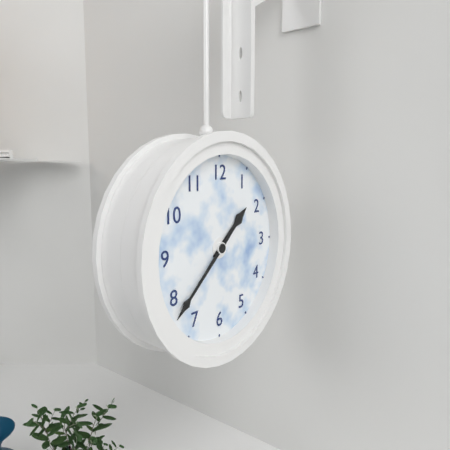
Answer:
1:38
